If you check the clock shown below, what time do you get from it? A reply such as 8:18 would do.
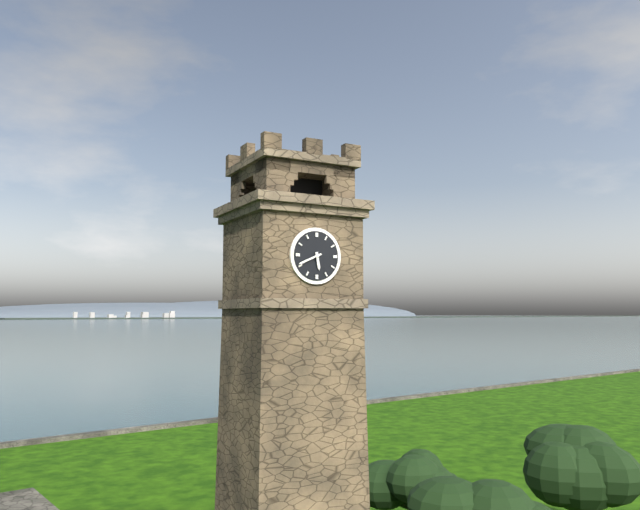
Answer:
5:41
